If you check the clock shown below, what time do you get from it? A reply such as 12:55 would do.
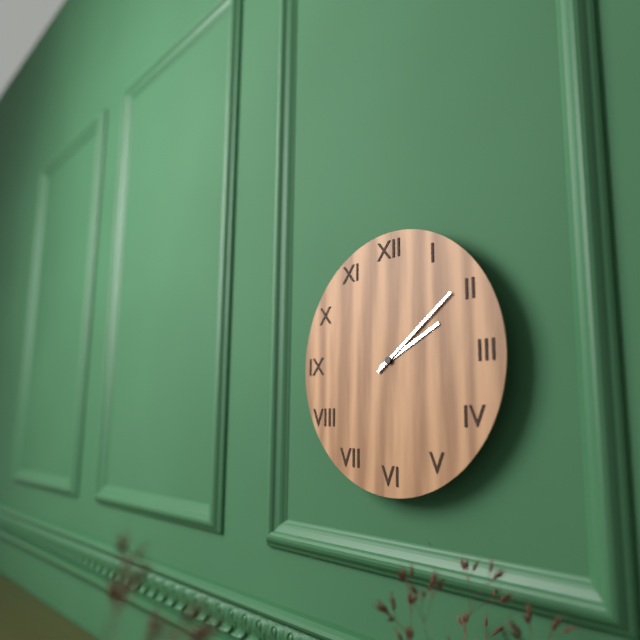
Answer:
2:09
